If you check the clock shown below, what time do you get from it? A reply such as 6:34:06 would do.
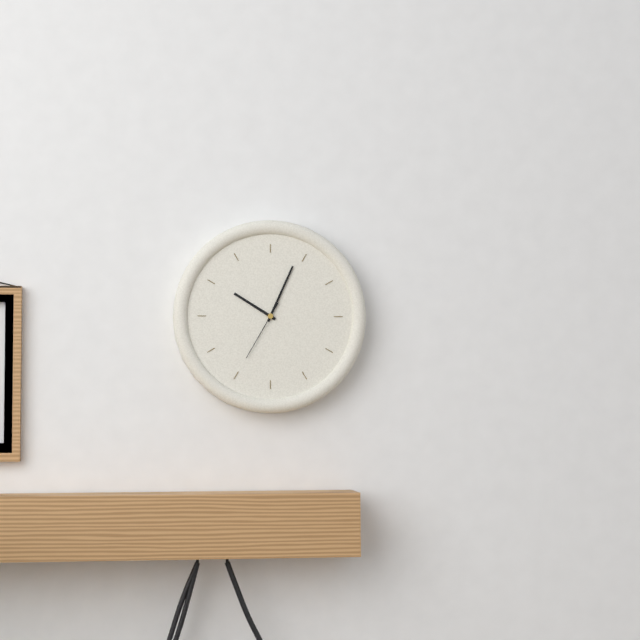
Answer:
10:04:35
